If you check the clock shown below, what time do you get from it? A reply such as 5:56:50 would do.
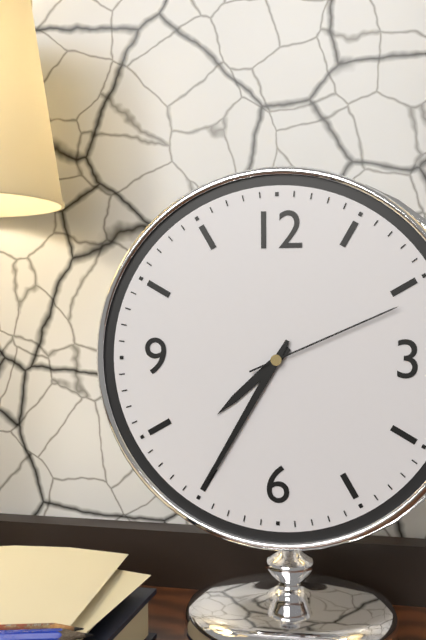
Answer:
7:35:11
